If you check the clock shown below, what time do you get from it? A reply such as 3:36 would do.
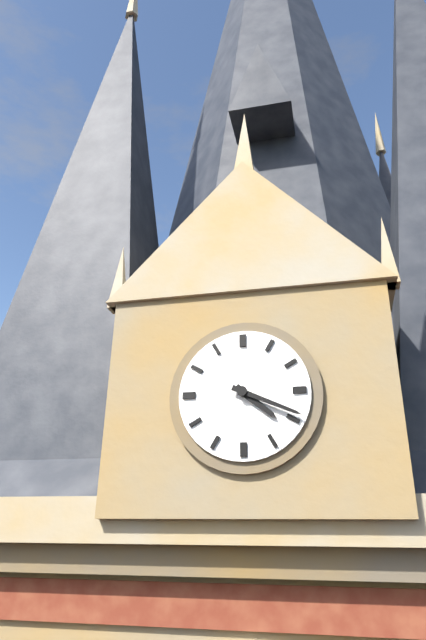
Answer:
4:19
